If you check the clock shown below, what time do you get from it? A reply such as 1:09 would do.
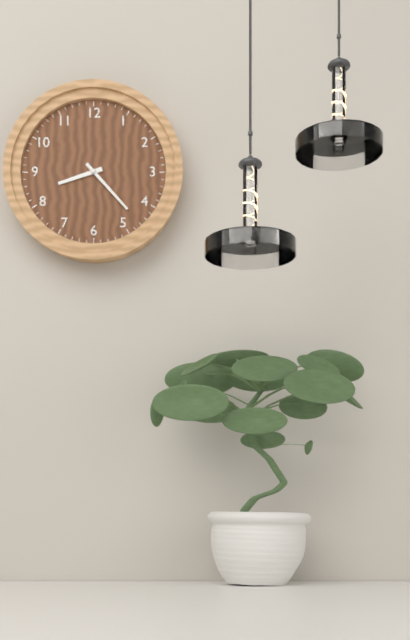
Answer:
8:23
